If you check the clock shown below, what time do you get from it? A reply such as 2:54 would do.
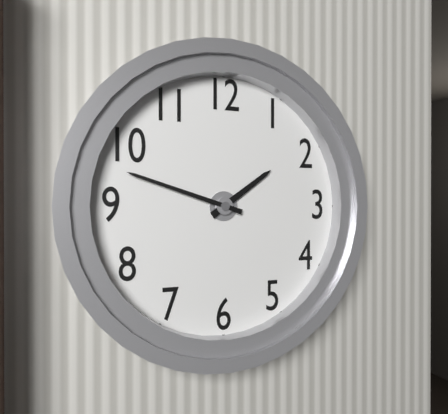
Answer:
1:48
